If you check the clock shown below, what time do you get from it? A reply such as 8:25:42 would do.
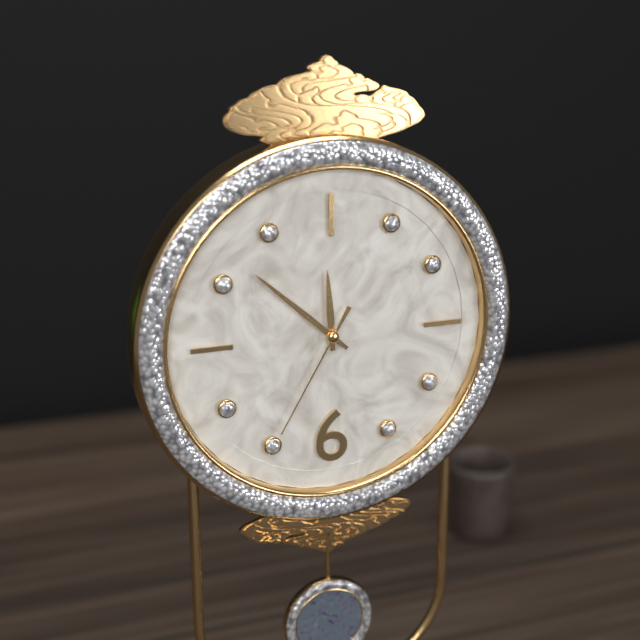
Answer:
11:52:35
